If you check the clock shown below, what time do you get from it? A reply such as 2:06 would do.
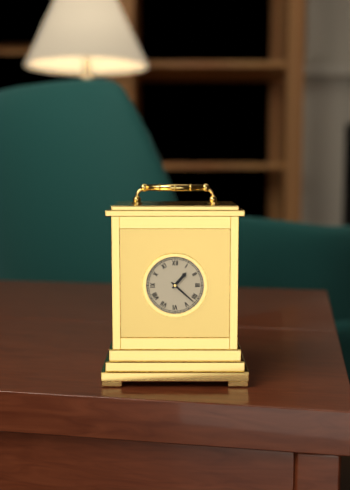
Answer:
1:22
